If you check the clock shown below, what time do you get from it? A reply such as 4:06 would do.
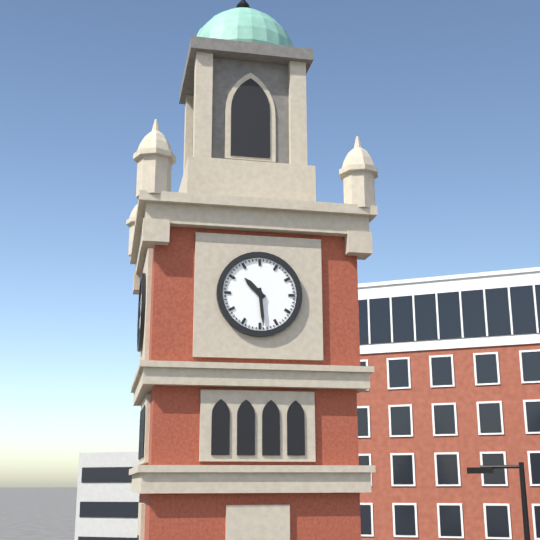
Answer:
10:29
